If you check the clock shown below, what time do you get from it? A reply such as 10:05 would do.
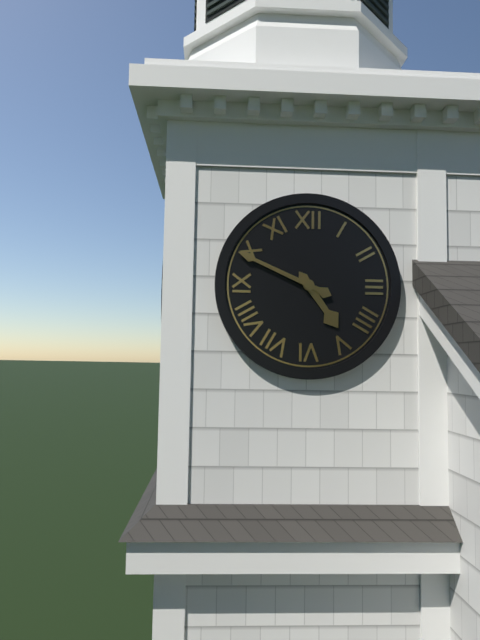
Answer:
4:49
